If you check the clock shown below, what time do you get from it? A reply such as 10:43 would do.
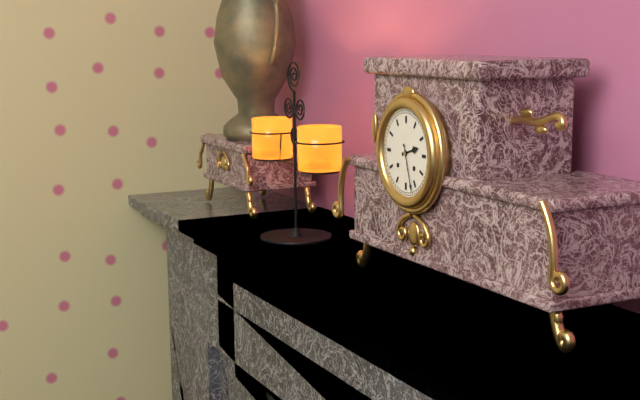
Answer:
2:27
